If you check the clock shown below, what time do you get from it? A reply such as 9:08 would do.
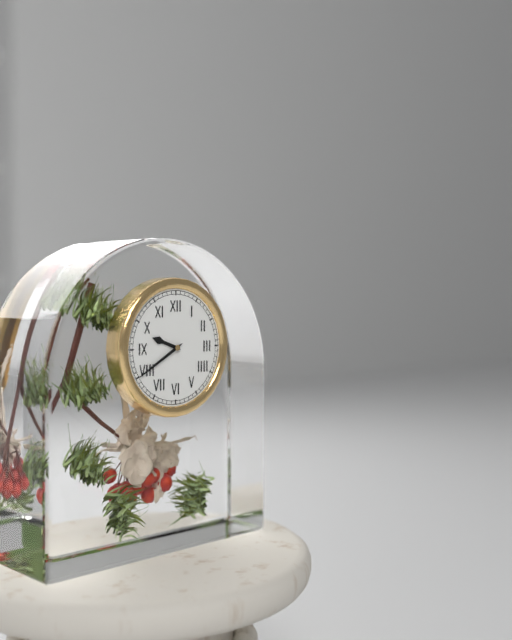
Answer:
9:40
